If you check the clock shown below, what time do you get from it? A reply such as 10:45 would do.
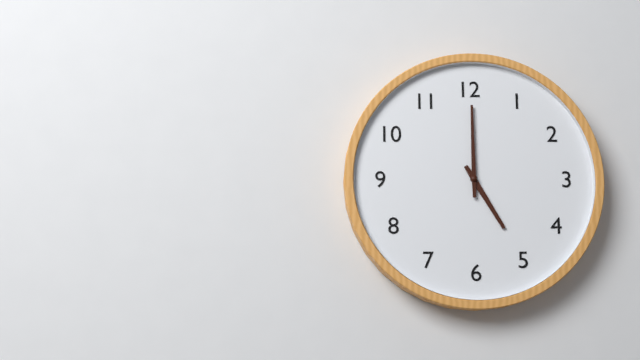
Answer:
5:00
